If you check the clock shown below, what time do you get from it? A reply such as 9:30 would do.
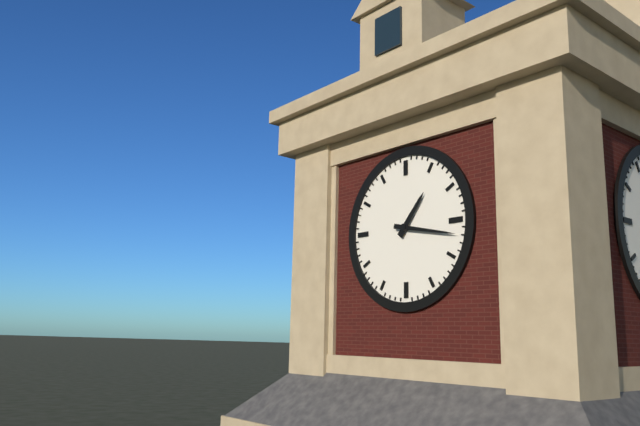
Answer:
1:17
